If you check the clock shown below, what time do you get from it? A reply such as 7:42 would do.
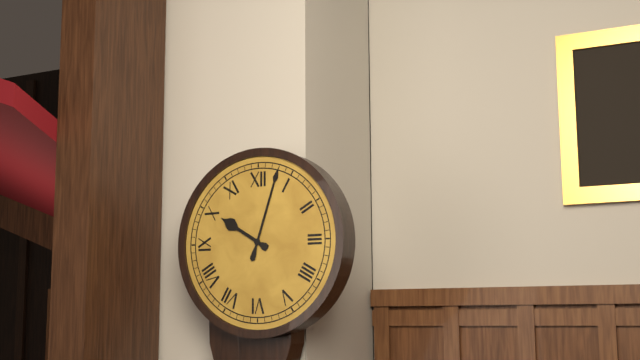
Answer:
10:03
